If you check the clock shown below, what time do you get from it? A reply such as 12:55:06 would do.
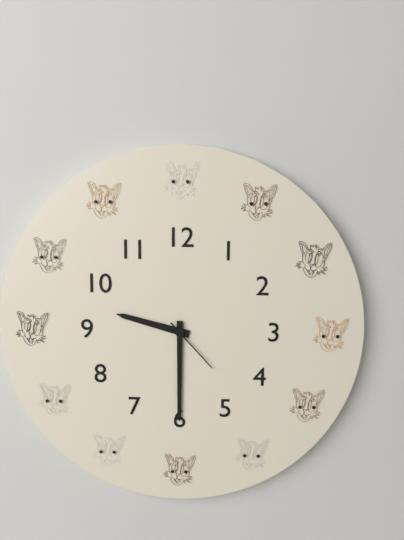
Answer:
9:30:23
